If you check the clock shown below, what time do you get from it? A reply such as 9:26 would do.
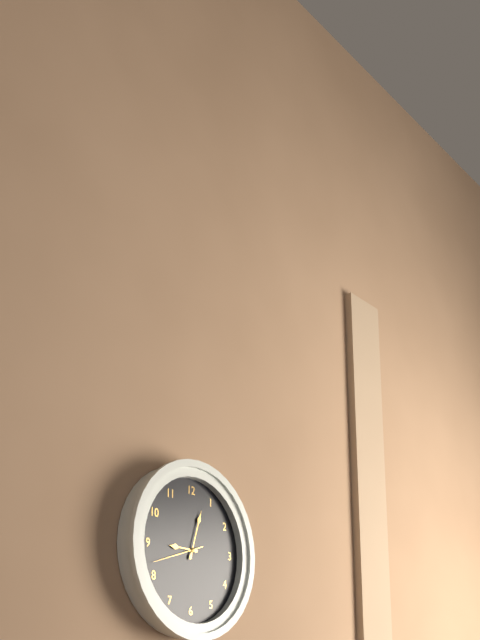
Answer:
9:03
